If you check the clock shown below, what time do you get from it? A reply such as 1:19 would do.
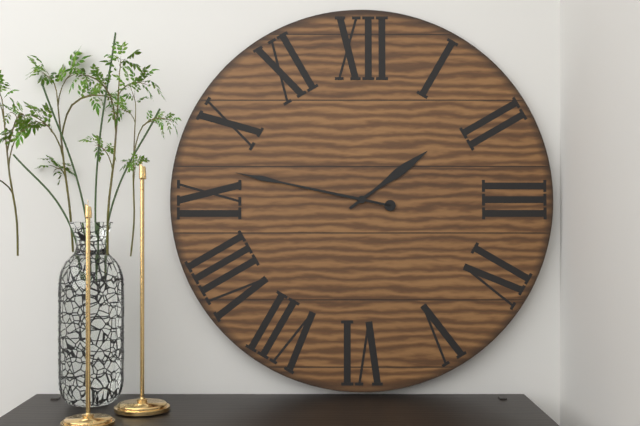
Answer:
1:47
